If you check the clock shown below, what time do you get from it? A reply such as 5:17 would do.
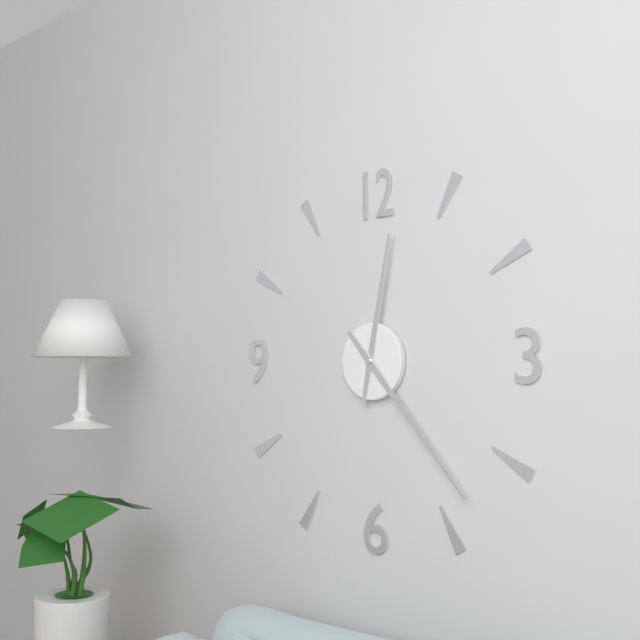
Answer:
12:23
